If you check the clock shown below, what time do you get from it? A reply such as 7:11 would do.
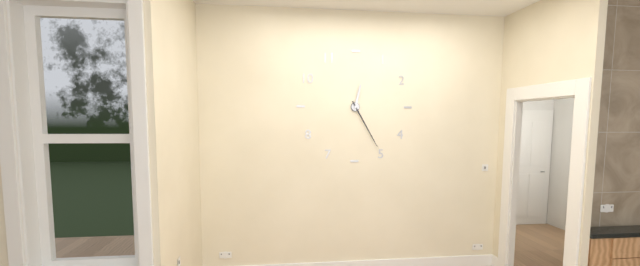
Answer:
12:25
